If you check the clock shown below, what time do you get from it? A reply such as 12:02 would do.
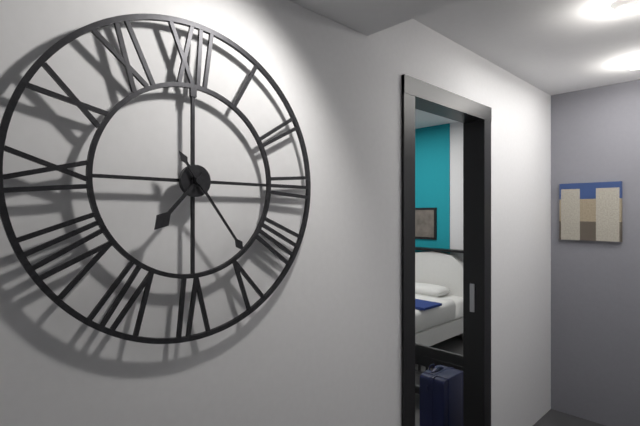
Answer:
7:24
